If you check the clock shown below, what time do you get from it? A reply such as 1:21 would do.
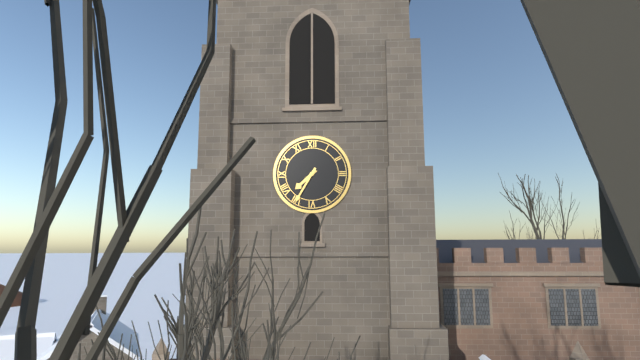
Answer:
7:35
